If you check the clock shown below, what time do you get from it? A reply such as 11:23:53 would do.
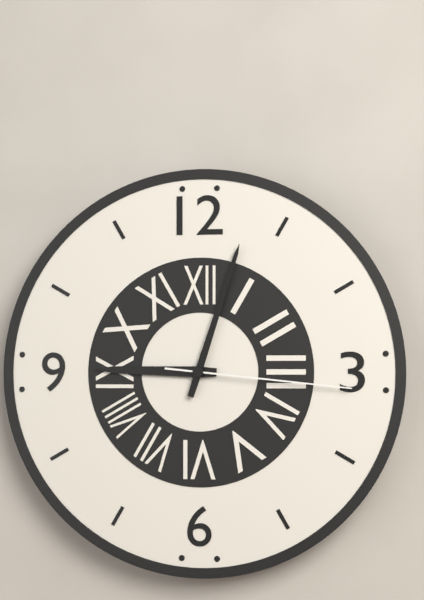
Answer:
9:03:16
